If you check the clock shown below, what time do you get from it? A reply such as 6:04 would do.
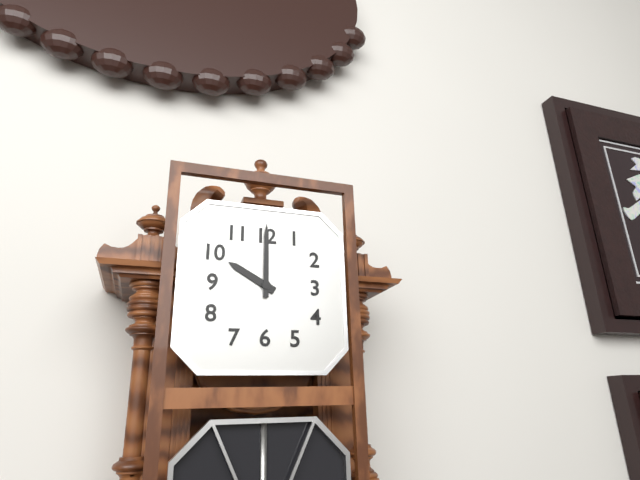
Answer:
10:00
